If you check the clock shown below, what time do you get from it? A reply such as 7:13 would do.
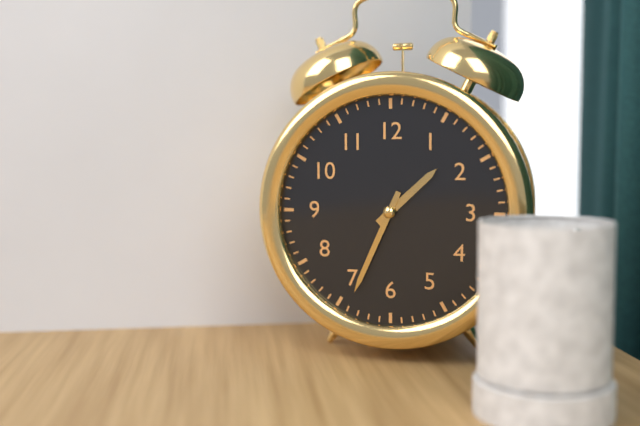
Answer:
1:34
